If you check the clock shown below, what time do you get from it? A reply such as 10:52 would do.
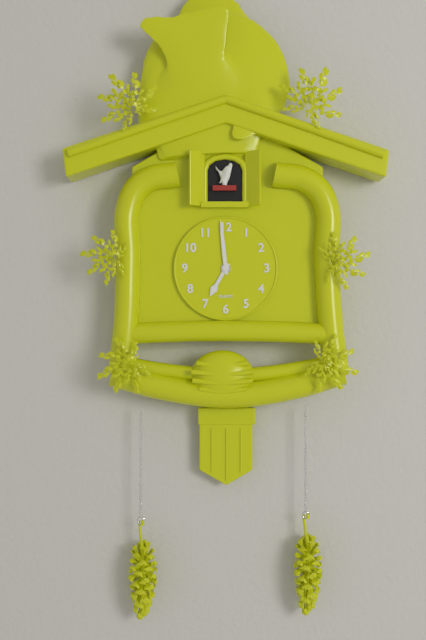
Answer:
6:59
